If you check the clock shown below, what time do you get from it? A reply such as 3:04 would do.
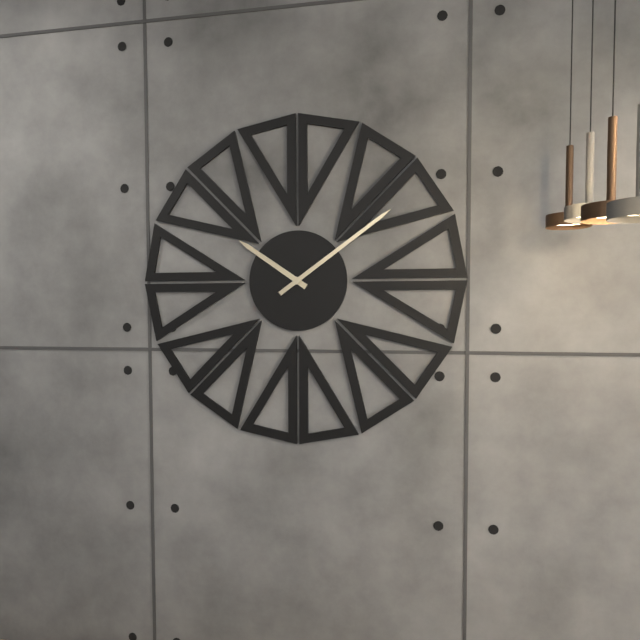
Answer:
10:09
